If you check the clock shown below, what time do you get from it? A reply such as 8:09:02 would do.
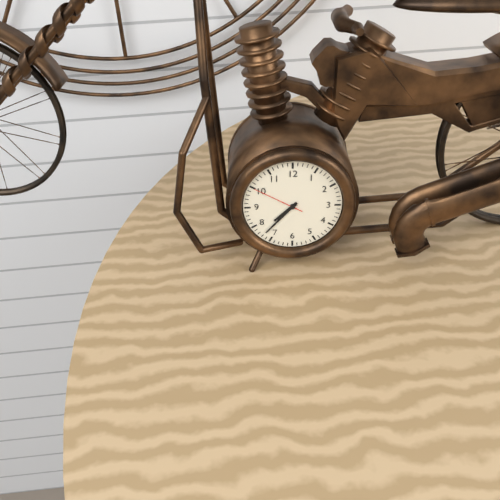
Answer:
7:37:50
